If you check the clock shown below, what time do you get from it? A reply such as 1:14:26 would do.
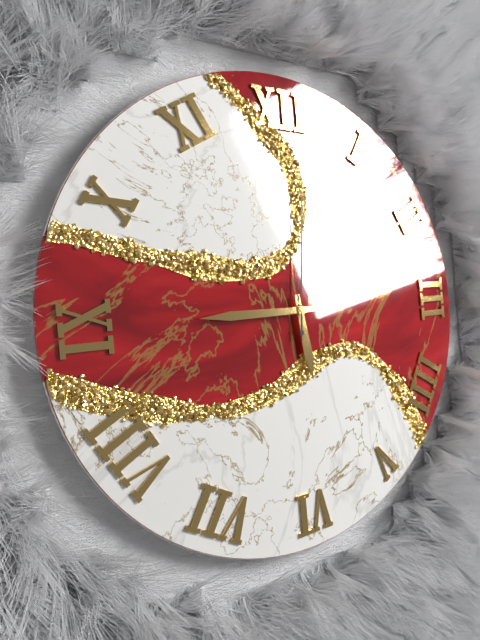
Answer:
5:45:01
